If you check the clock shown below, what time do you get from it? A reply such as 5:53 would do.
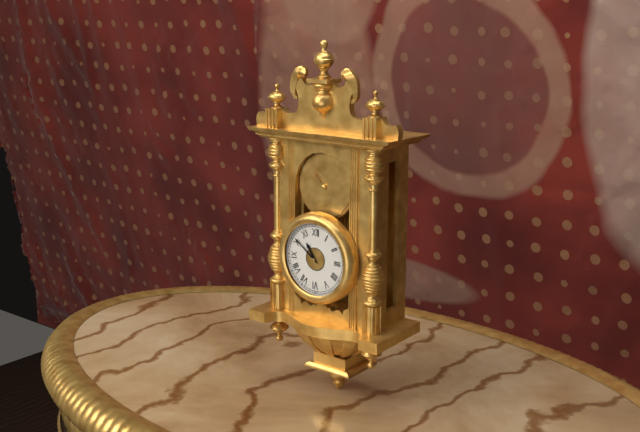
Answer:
10:51
